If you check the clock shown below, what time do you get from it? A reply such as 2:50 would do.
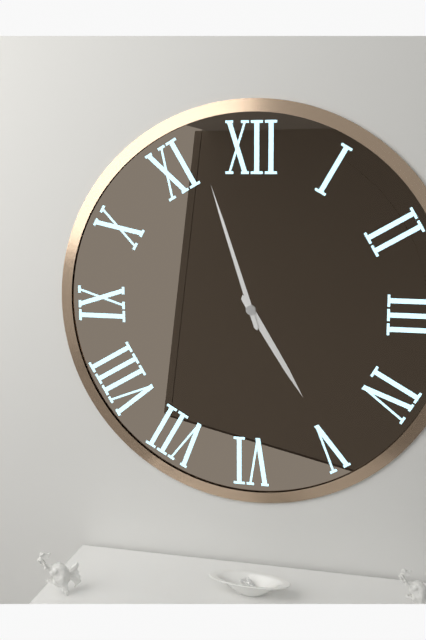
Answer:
4:57
